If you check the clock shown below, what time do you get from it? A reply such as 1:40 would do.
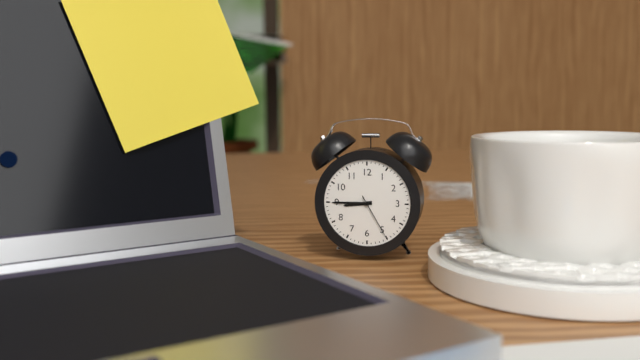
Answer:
8:45
